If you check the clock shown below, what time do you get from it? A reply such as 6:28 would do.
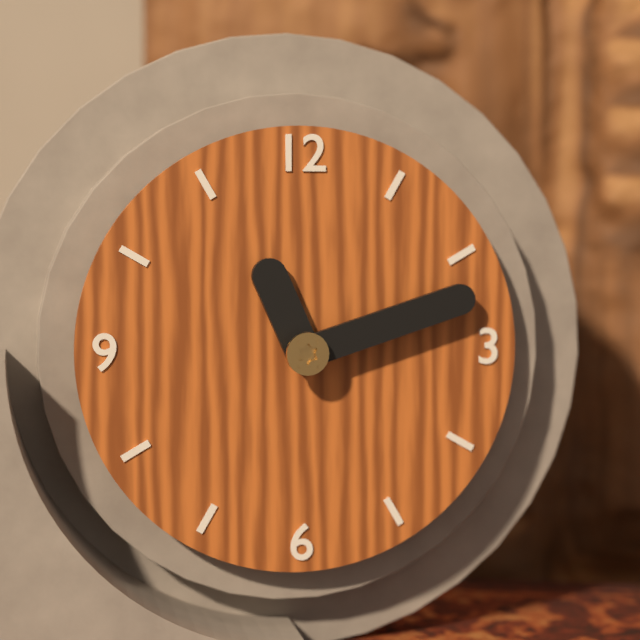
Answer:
11:12
